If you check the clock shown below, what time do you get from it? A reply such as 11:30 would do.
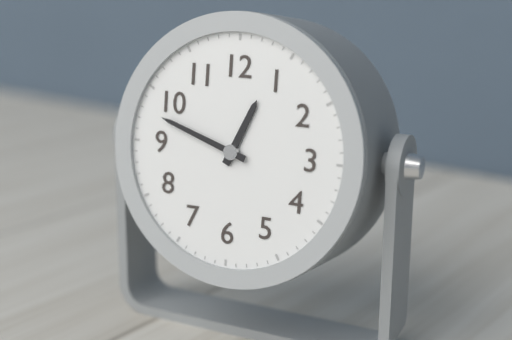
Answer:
12:48
